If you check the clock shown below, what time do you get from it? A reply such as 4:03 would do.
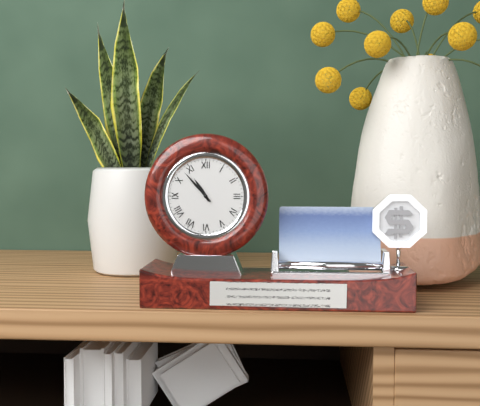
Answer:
10:53
